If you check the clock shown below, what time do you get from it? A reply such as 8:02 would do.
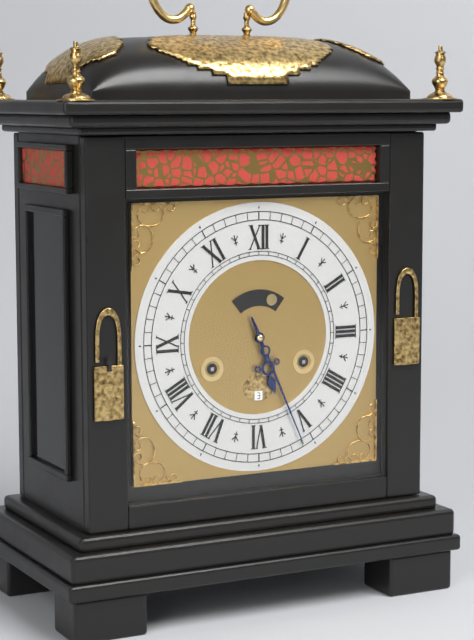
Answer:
5:26
